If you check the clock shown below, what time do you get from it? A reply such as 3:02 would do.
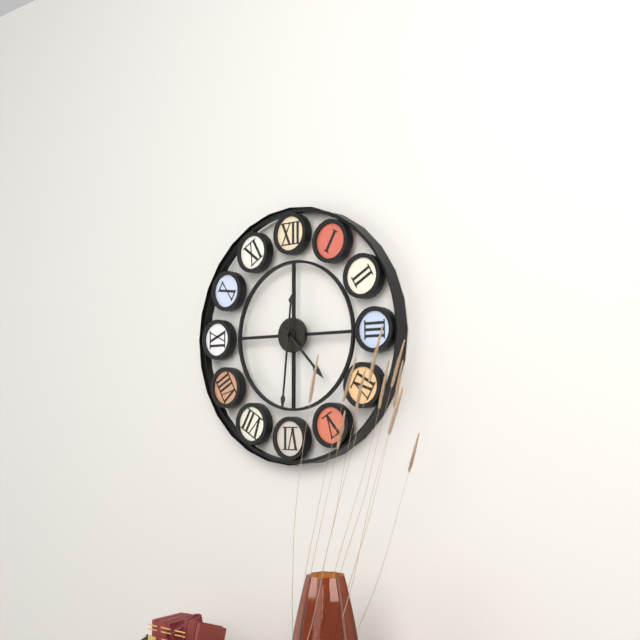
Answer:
4:31
